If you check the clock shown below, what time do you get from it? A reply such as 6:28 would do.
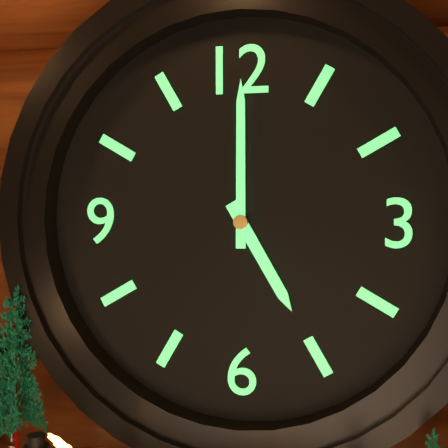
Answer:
5:00
